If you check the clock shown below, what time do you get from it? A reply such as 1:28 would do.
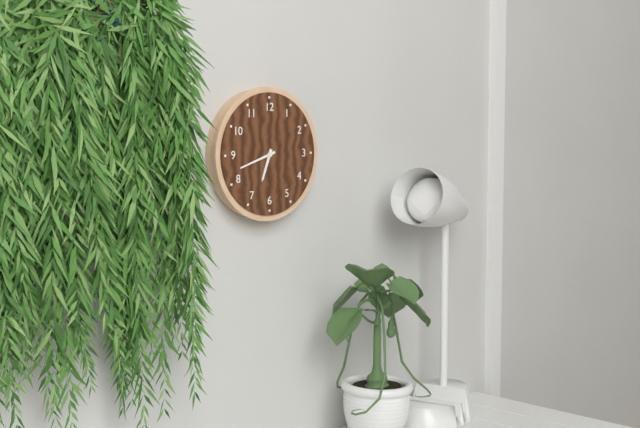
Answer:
6:42
